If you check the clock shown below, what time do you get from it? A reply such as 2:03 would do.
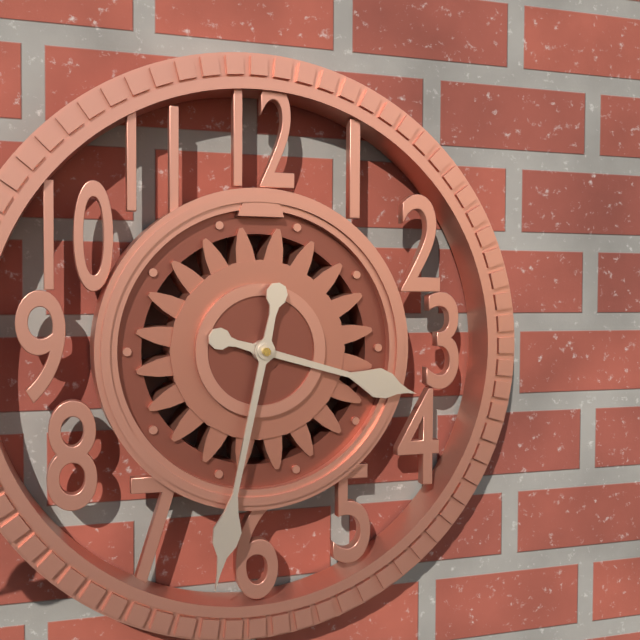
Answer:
3:32
